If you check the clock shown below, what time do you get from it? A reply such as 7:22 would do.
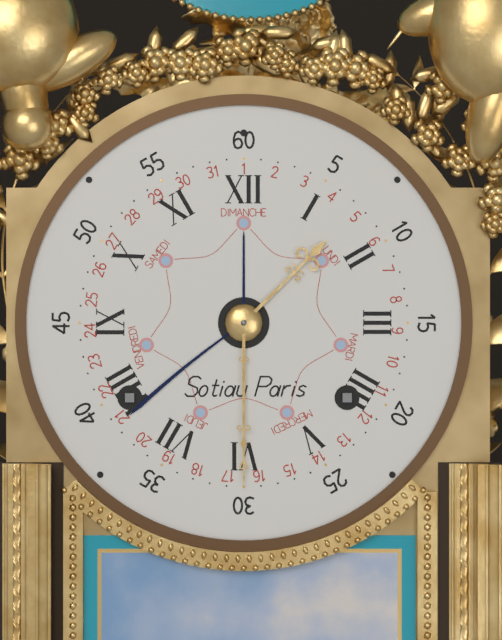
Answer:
1:30
